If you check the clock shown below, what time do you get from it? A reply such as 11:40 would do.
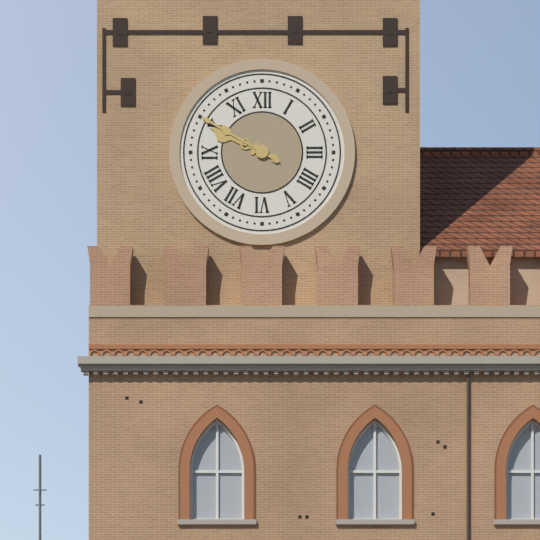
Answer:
9:50
